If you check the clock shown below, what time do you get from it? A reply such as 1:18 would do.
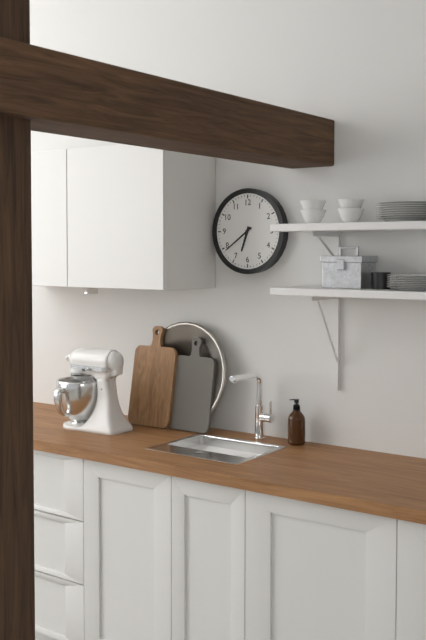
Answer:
6:39
